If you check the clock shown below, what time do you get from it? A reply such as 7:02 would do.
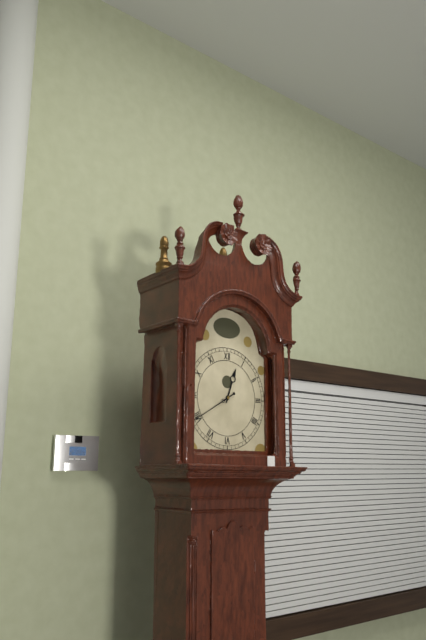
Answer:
12:40
